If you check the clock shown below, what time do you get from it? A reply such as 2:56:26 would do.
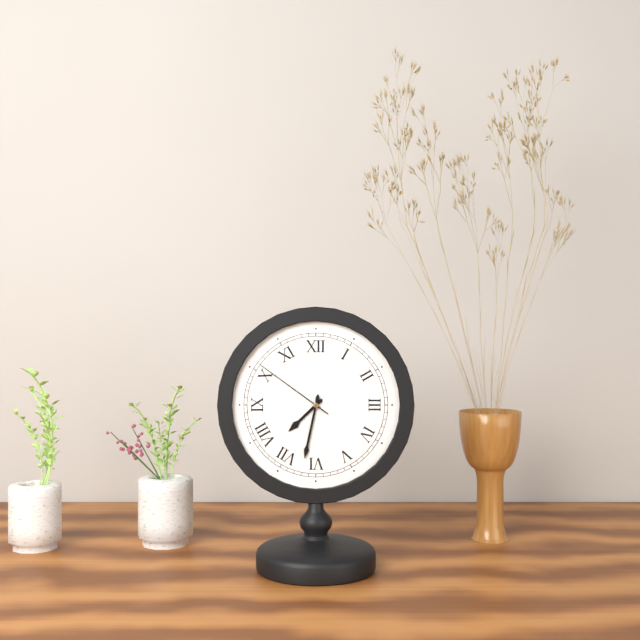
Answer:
7:32:51
